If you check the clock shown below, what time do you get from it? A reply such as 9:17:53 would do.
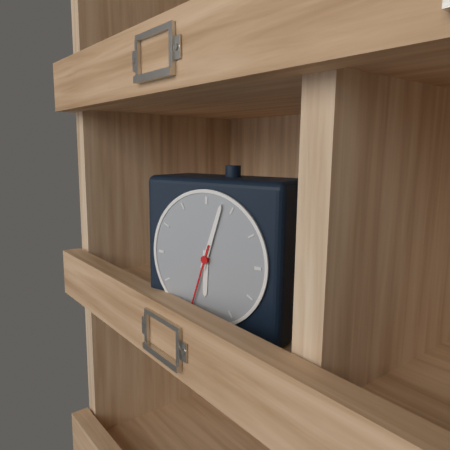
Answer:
6:03:33
